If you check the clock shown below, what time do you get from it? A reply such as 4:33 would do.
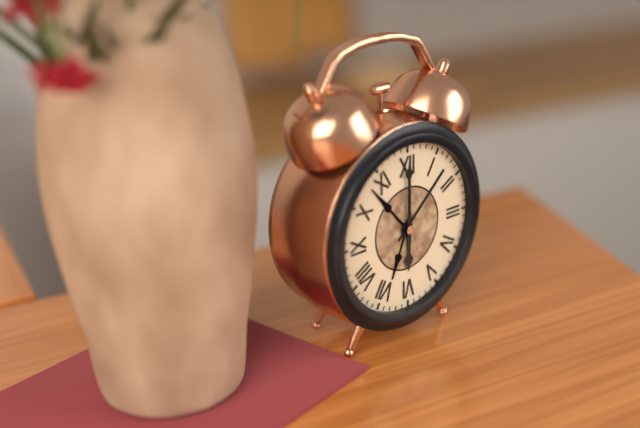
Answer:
6:00
